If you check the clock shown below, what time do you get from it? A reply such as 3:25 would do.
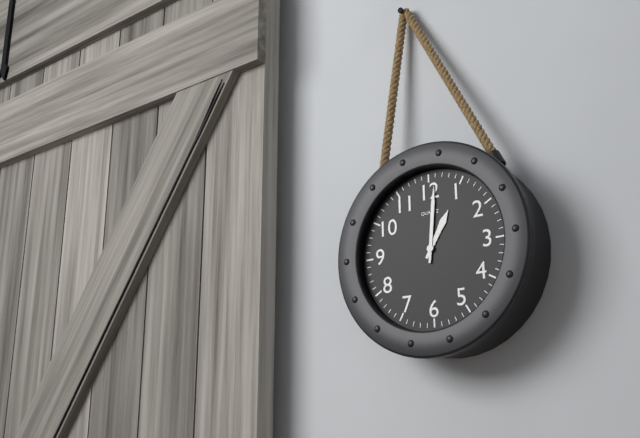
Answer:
1:01
